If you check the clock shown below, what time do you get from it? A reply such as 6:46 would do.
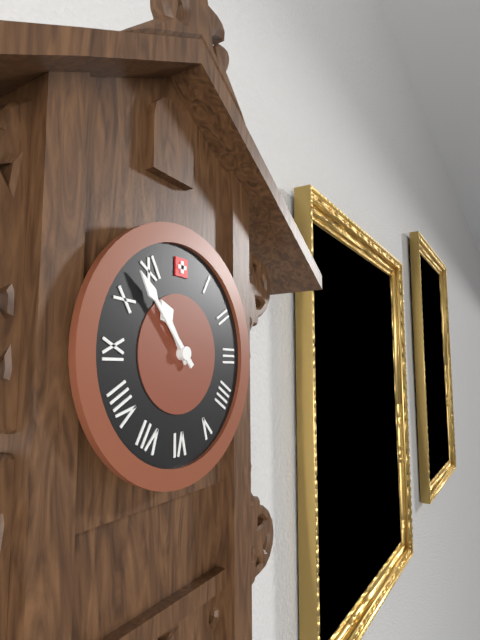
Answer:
10:53
